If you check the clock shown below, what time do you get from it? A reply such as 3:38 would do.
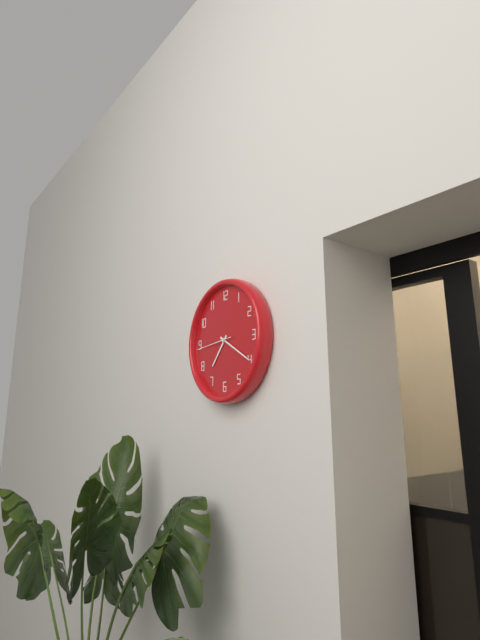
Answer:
7:20
